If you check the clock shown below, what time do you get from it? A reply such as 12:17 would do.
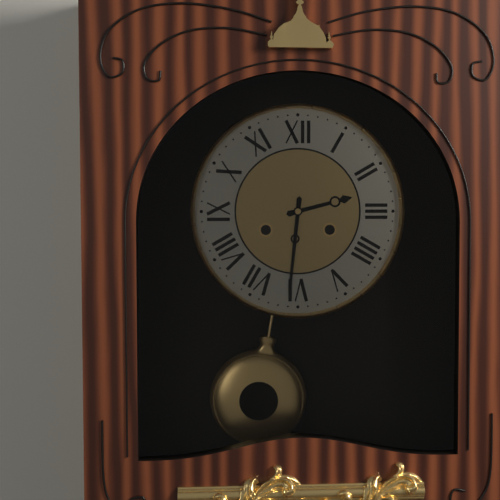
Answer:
2:31
